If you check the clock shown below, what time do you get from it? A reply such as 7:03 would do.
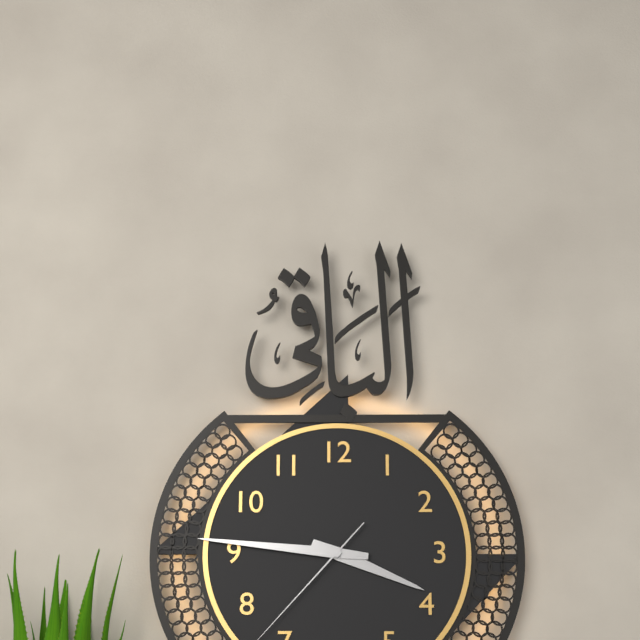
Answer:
3:46
